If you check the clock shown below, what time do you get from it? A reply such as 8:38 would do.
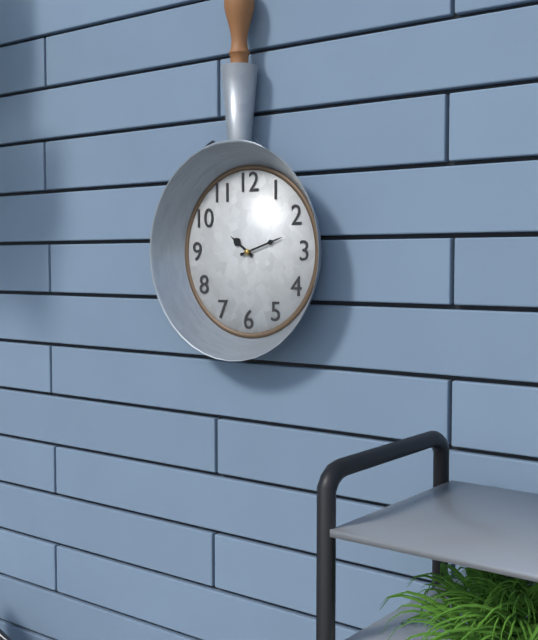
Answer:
10:12
